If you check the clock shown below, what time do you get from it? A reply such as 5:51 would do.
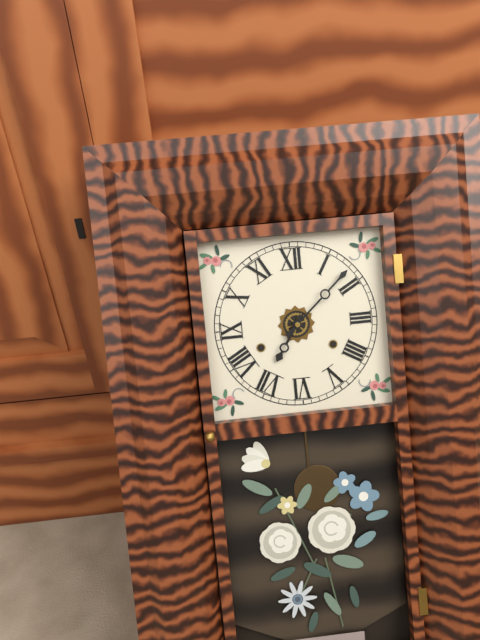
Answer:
7:08
